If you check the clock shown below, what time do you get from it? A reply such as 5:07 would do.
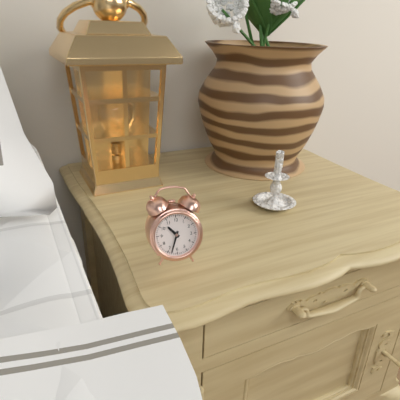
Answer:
10:33
